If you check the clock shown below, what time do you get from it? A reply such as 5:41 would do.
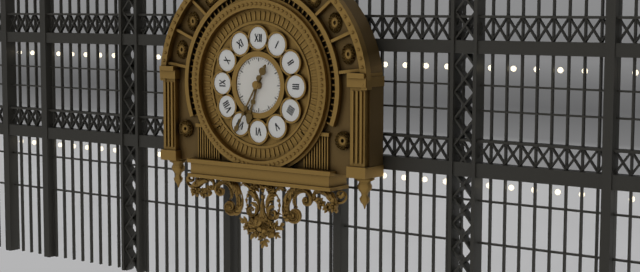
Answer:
6:35
